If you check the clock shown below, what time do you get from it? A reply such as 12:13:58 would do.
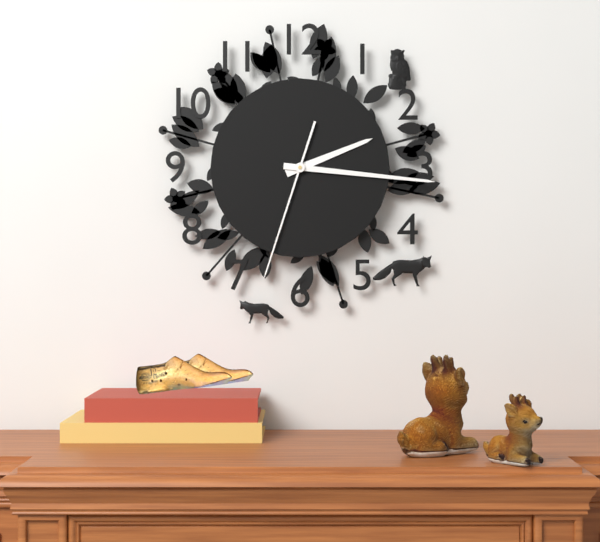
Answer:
2:16:33
